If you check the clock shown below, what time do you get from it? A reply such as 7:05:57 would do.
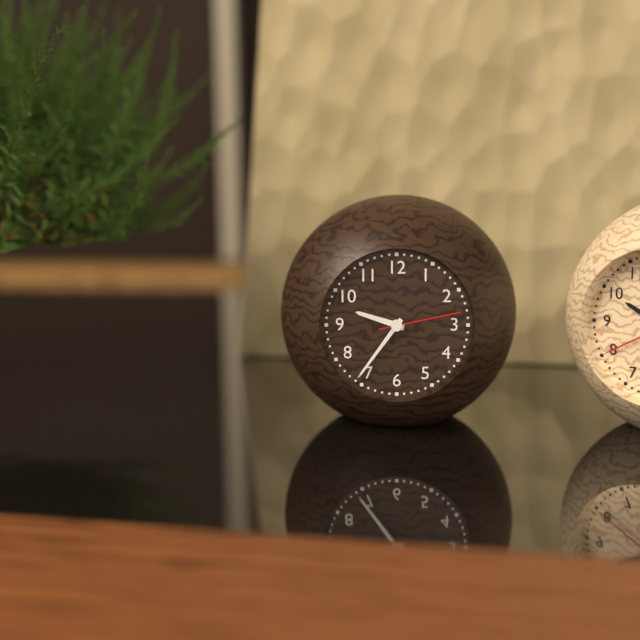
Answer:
9:36:13
